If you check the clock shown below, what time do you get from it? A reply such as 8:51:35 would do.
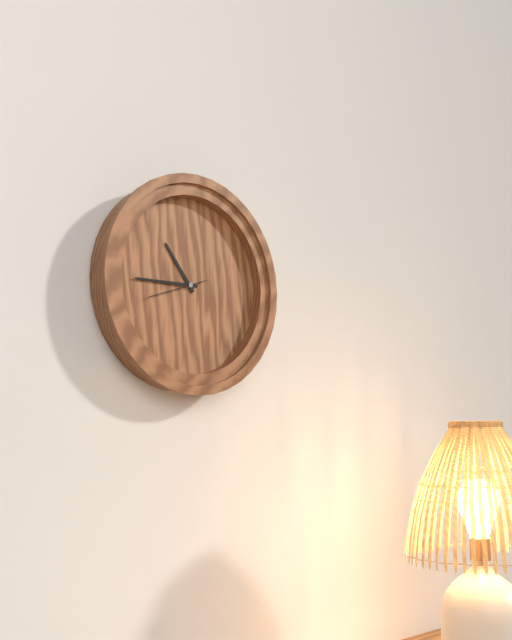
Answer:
10:45:42
